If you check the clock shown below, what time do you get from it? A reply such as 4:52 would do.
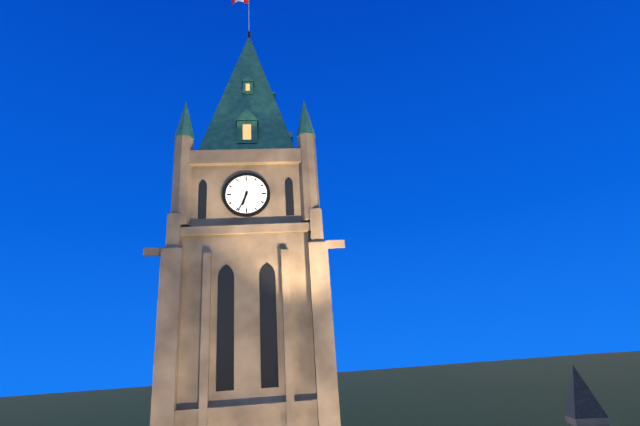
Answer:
6:34
